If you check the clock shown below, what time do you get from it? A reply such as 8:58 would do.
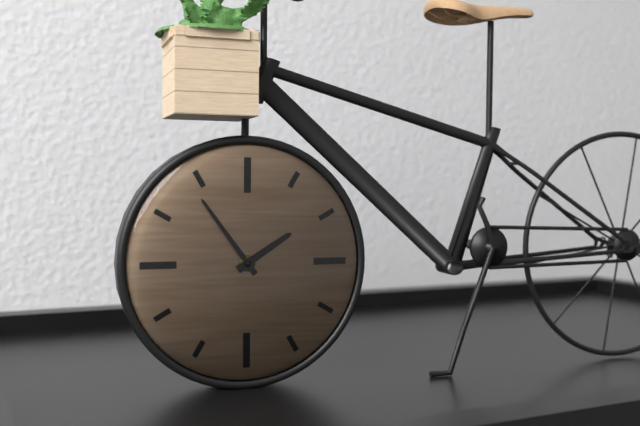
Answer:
1:54
